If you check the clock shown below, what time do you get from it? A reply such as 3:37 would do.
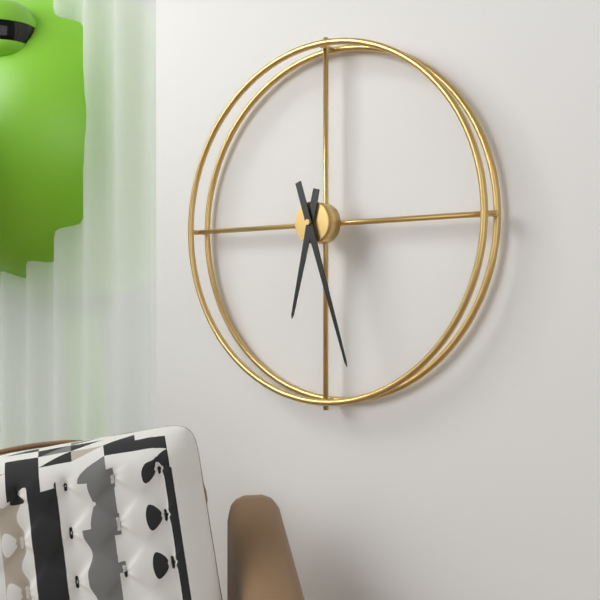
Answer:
6:27
